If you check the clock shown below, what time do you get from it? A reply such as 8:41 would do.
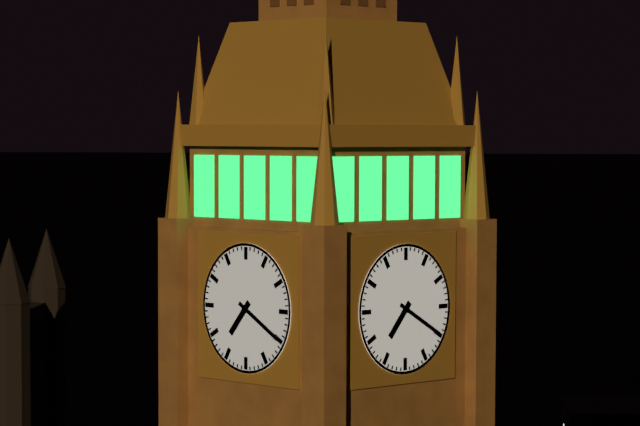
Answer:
7:20
